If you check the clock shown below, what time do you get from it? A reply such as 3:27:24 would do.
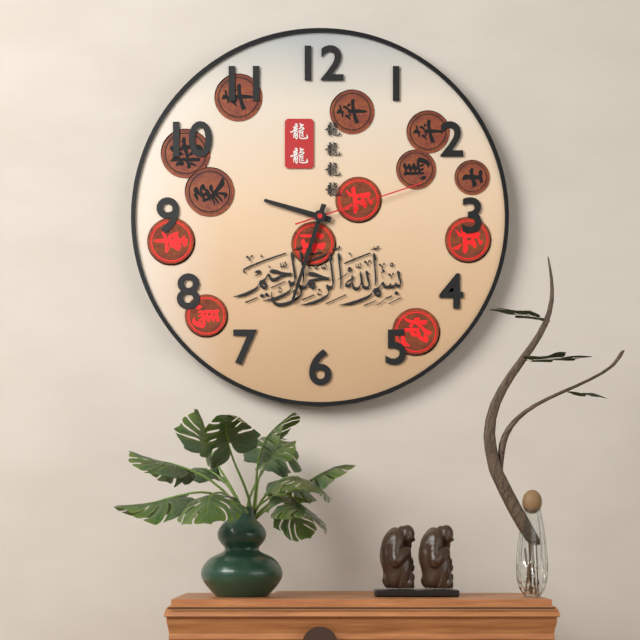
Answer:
9:33:12
